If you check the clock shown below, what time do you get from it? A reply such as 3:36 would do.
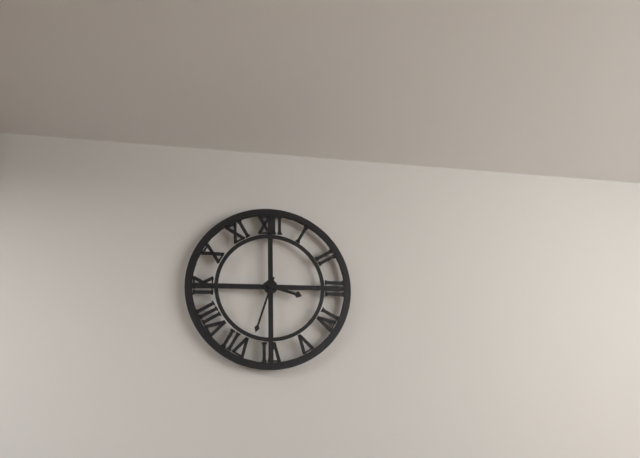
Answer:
3:33
